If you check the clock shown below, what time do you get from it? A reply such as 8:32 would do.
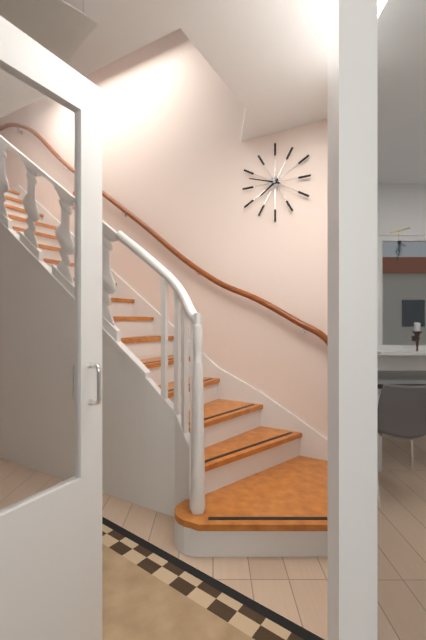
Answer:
7:48
